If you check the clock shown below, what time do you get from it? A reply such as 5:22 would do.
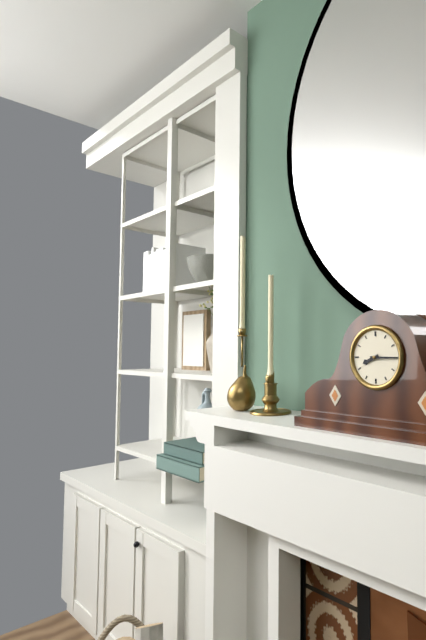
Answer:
8:15
